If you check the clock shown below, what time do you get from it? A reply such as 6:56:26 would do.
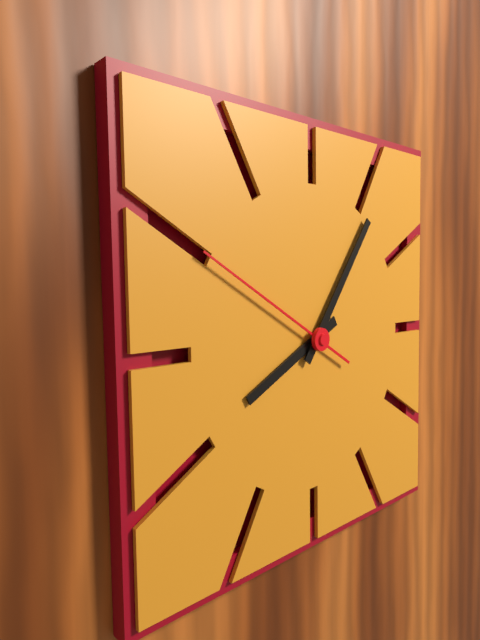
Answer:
8:06:50
